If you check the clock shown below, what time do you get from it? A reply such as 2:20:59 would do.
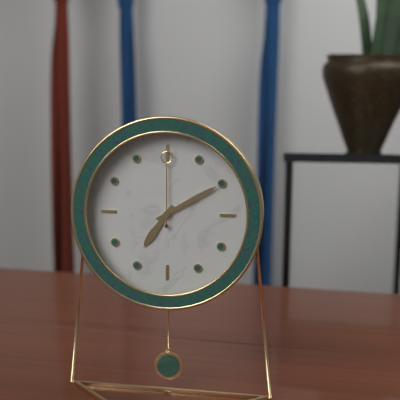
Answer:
7:10:00
